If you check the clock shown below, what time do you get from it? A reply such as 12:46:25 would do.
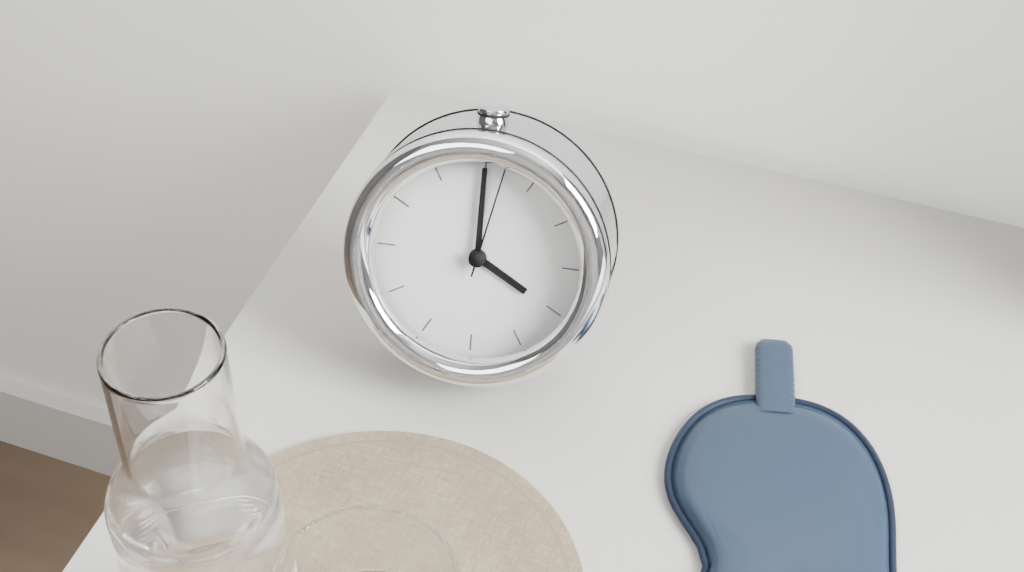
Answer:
4:00:02
